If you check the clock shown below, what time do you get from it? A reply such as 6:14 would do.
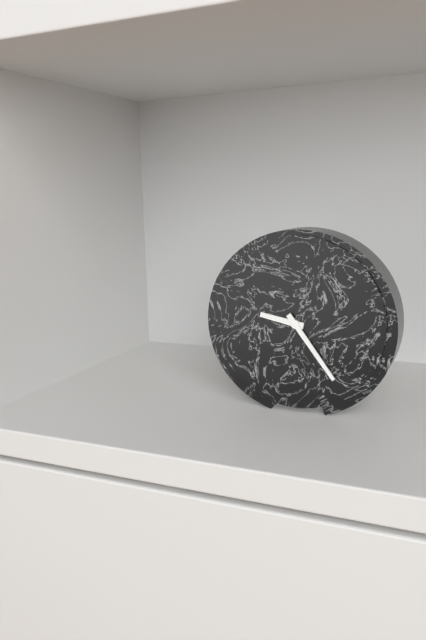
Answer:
9:24
